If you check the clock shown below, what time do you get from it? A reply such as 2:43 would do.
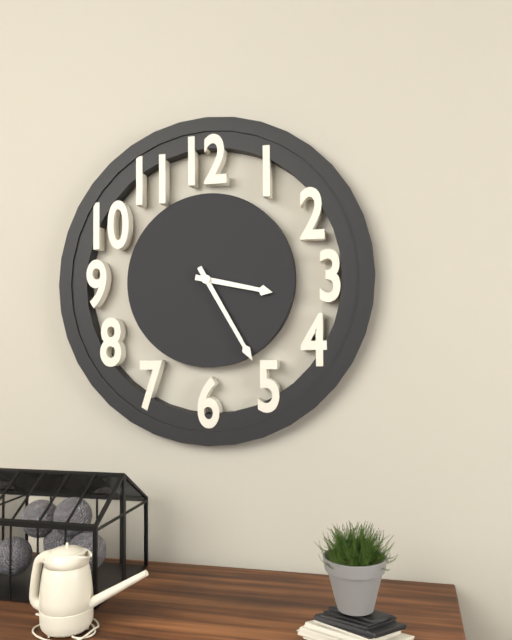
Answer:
3:25
